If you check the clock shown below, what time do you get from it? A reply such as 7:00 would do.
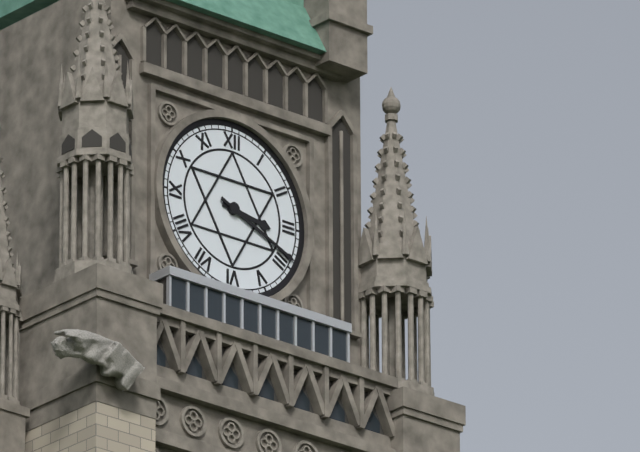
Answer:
3:19
